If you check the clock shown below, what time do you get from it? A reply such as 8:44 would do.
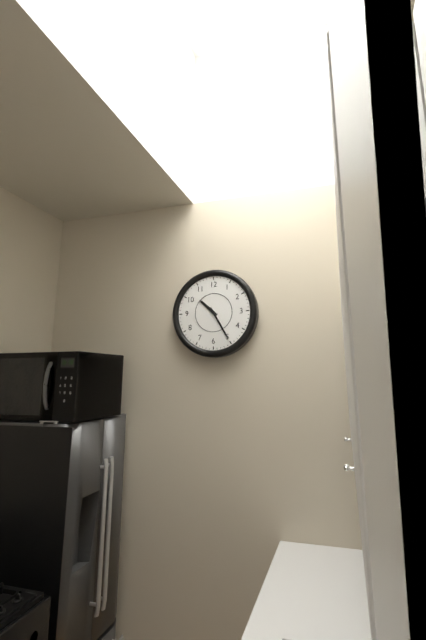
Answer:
10:25
